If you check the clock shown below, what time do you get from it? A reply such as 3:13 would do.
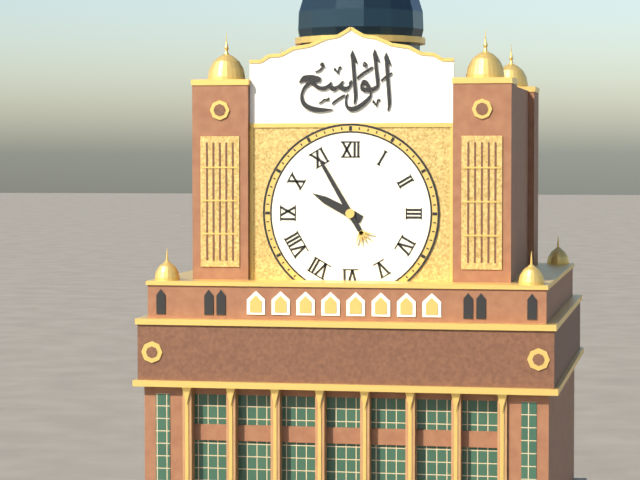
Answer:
9:55
